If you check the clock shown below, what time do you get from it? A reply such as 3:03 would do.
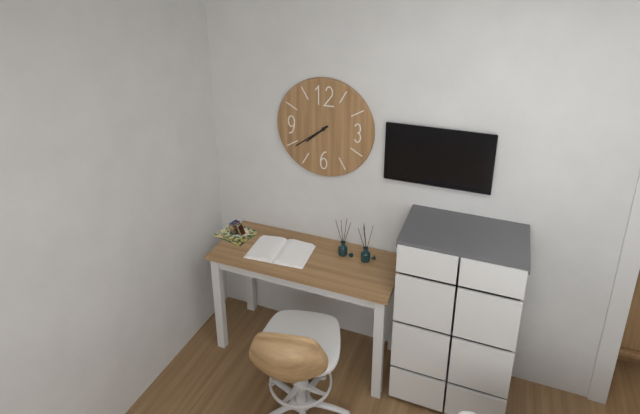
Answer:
7:39
